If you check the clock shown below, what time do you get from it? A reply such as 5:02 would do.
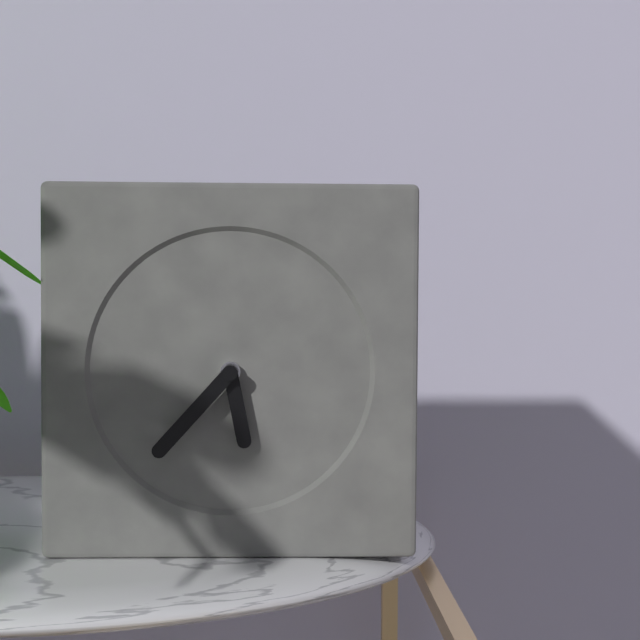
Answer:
5:37
